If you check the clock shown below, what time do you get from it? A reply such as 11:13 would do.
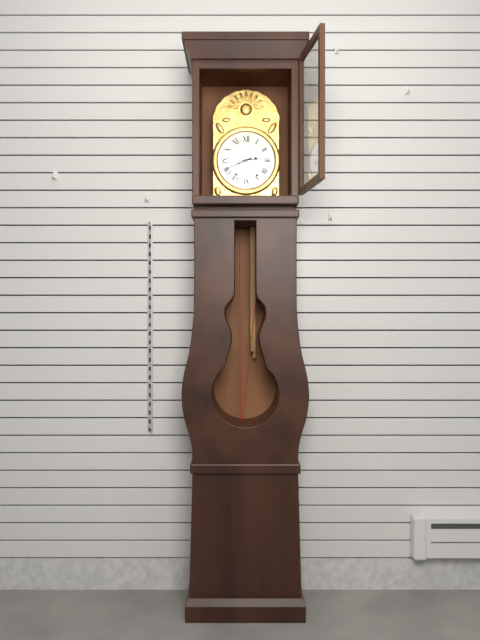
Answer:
2:41
